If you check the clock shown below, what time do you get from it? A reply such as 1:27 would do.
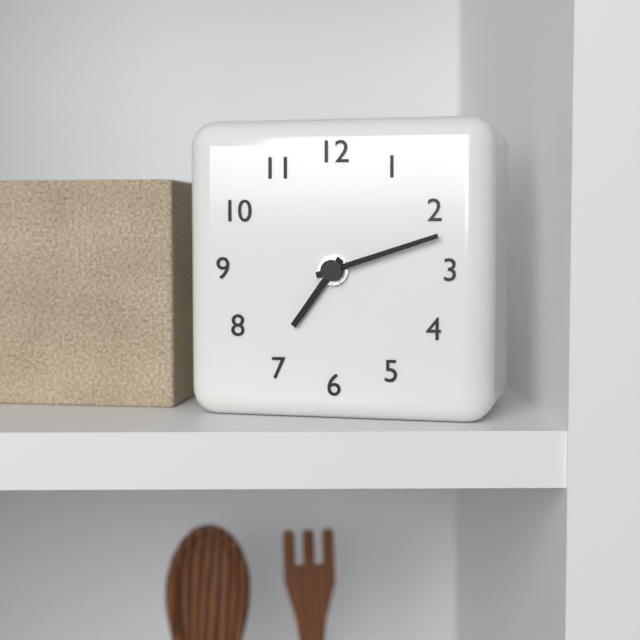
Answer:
7:12
